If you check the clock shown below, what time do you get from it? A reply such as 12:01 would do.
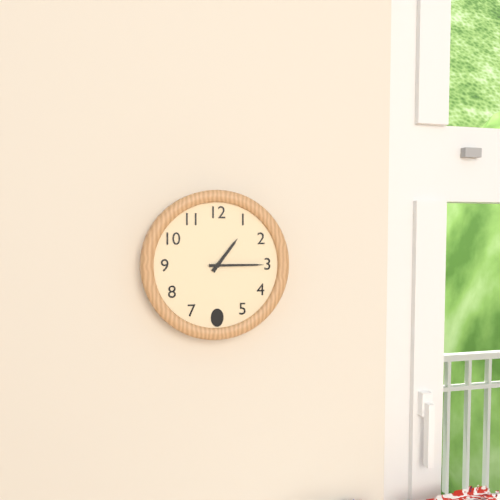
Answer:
1:15
